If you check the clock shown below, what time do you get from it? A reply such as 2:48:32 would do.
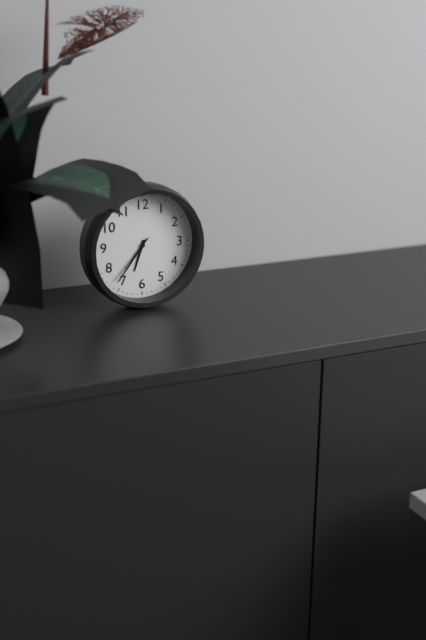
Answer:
6:36:37
